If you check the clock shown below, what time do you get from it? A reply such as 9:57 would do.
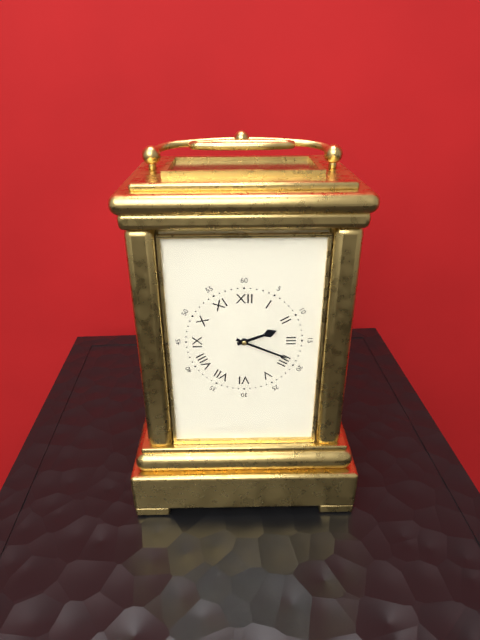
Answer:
2:19
